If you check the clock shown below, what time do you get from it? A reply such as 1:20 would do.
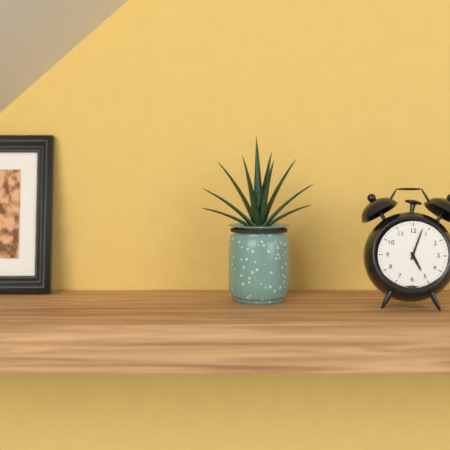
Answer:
5:03
